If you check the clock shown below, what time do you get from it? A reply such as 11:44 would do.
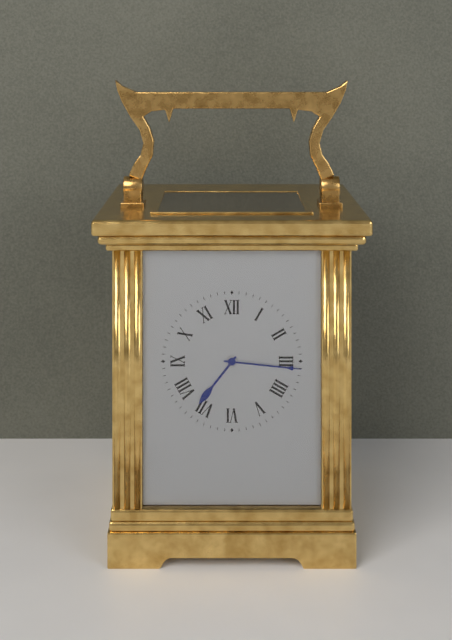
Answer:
7:16
